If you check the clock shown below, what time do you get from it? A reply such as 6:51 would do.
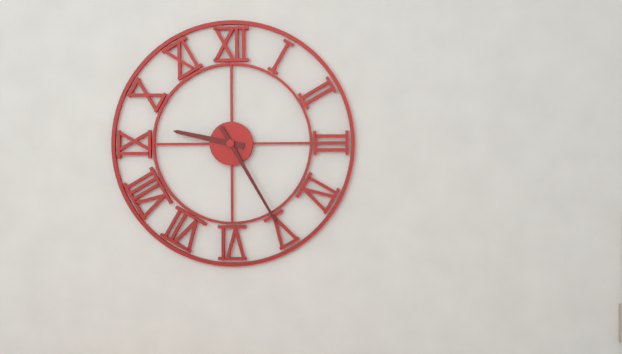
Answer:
9:25
